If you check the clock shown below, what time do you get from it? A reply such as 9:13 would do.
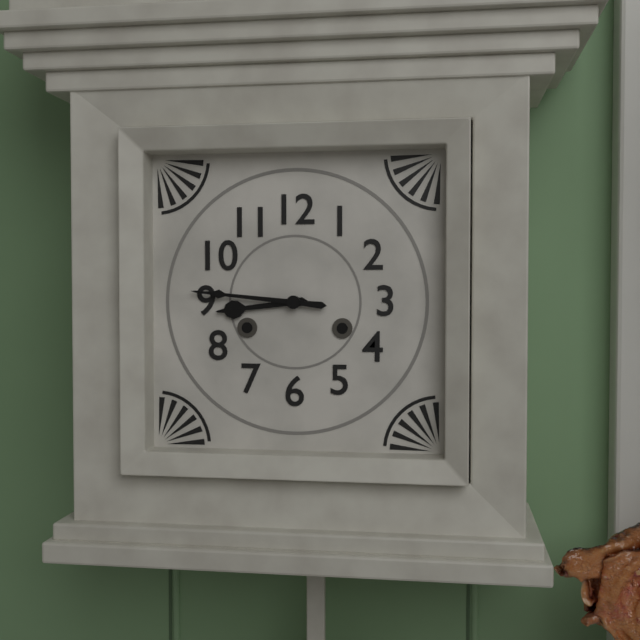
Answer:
8:46
